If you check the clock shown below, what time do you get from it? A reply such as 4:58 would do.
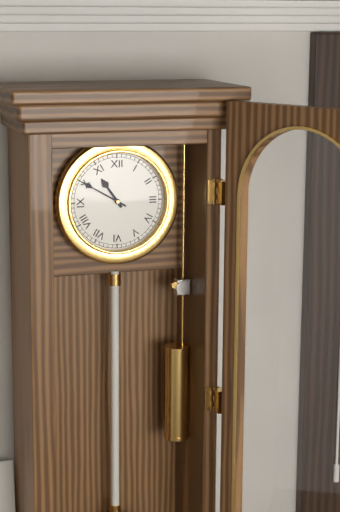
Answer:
10:50
